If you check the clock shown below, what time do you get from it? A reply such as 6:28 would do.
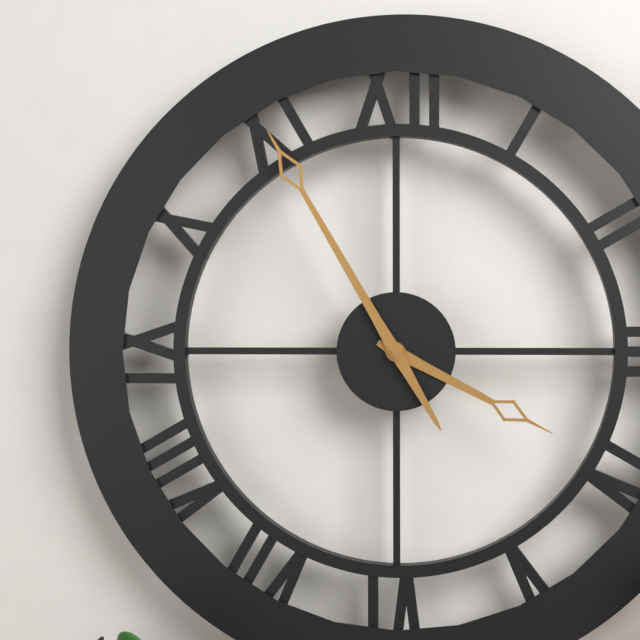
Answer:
3:55
